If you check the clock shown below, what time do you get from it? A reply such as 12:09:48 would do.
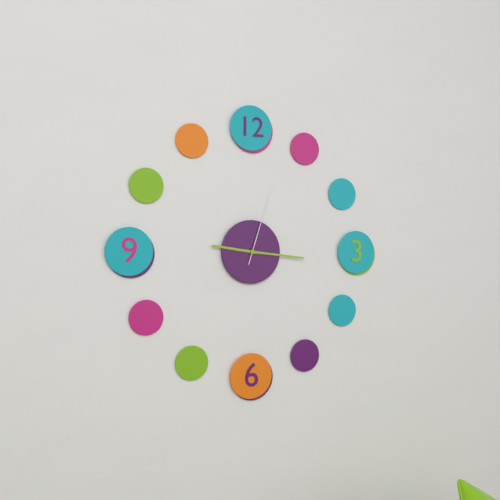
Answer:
9:16:03
